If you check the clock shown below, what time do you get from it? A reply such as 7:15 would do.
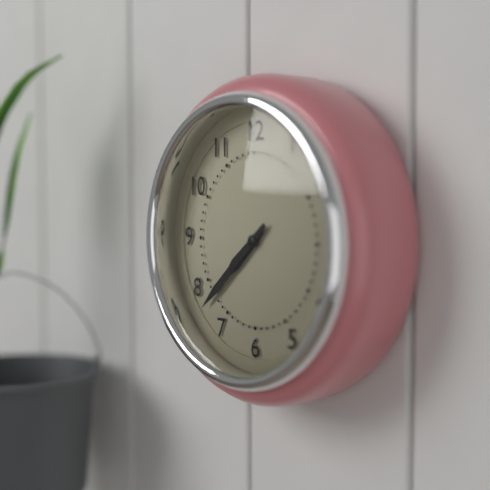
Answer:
7:38
